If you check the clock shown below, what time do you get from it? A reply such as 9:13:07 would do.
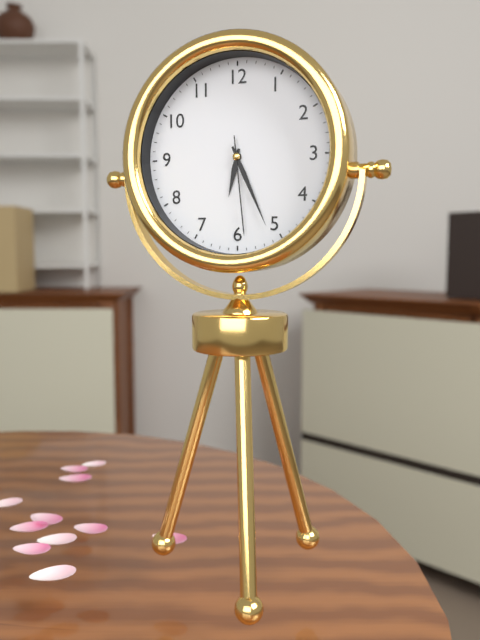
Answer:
6:26:29
